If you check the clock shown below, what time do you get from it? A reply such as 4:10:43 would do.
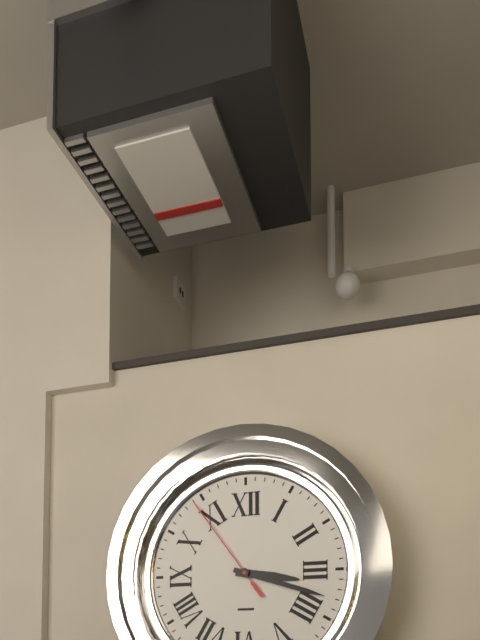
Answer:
3:18:54
